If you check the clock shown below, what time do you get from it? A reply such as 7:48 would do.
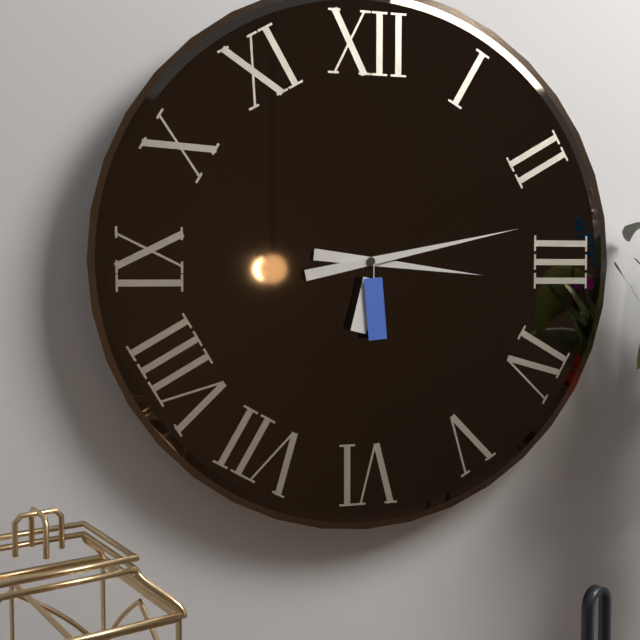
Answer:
3:13
